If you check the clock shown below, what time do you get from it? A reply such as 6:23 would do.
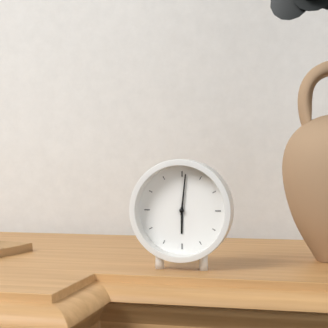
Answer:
6:01
